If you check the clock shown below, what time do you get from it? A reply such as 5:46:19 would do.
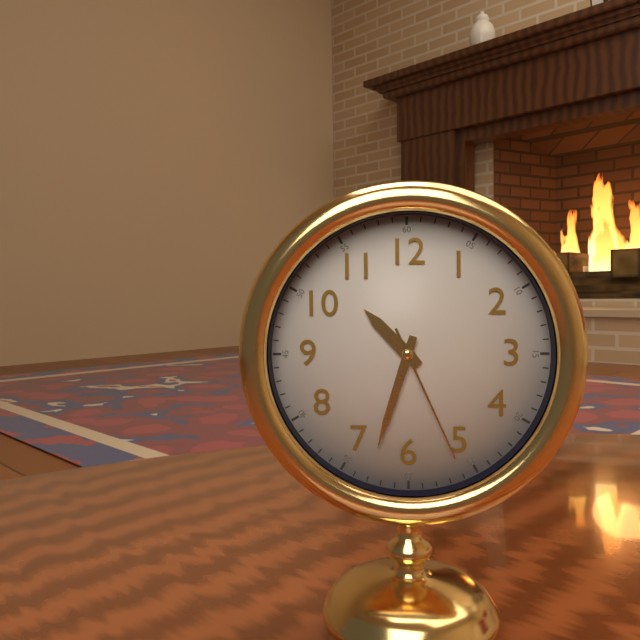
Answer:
10:33:26
